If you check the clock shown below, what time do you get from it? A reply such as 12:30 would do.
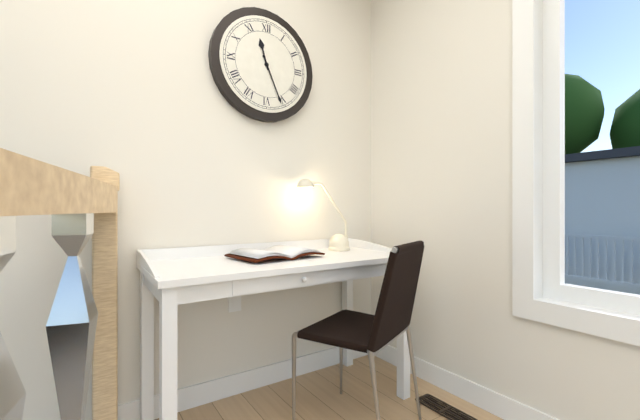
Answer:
11:26
